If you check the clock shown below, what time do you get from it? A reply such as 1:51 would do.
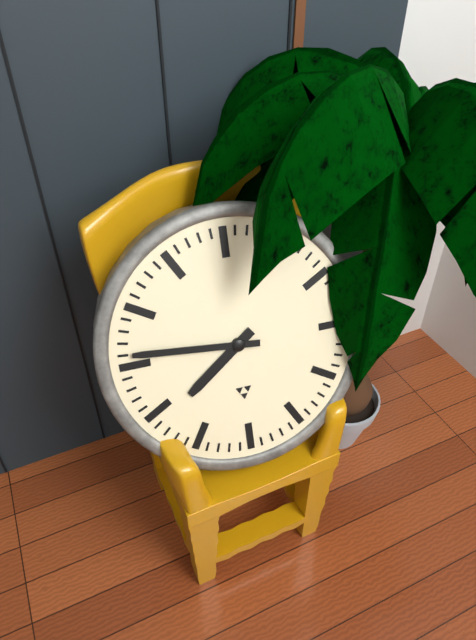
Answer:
7:46
